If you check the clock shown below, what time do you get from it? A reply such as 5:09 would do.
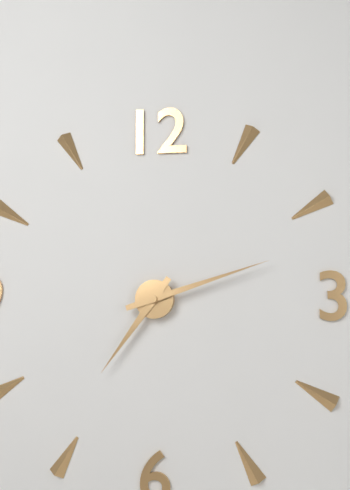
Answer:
7:12
